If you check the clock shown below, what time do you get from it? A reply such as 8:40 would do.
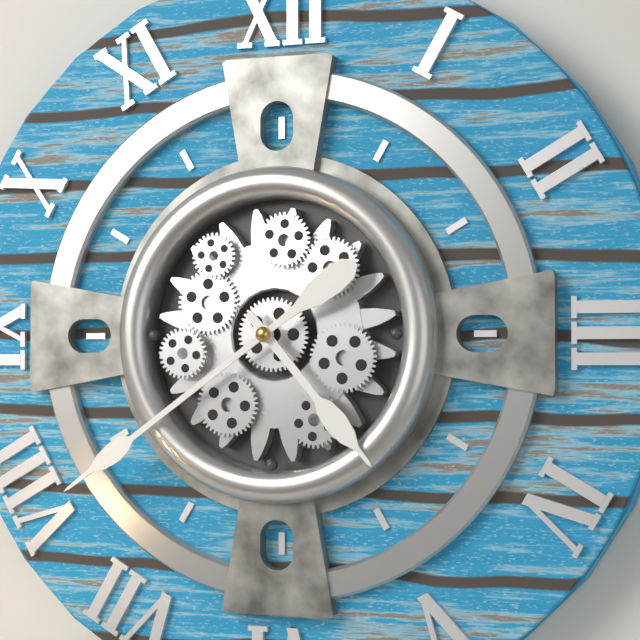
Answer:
4:39
